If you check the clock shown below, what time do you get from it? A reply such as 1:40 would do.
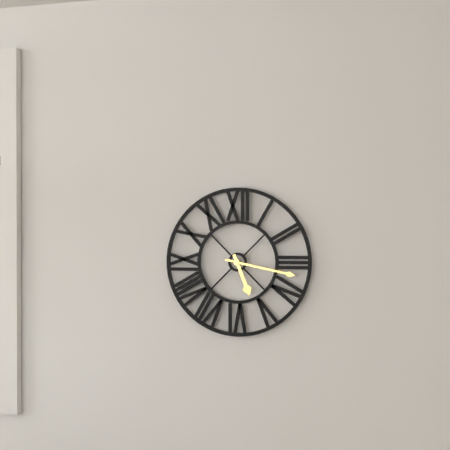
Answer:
5:17
